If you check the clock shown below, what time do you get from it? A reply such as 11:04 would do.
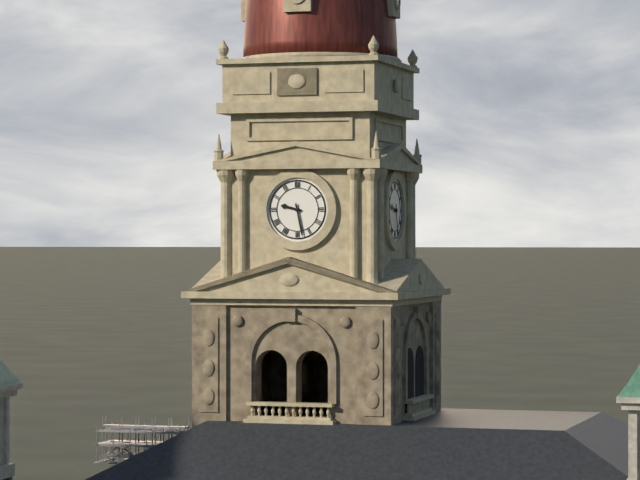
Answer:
9:28
